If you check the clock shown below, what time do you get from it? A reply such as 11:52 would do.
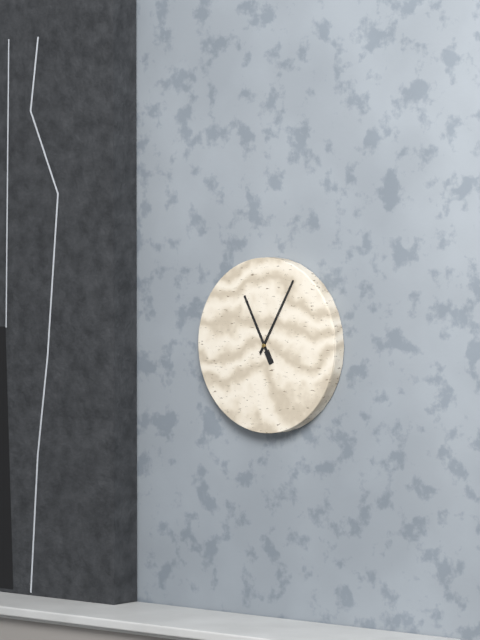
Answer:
11:05
